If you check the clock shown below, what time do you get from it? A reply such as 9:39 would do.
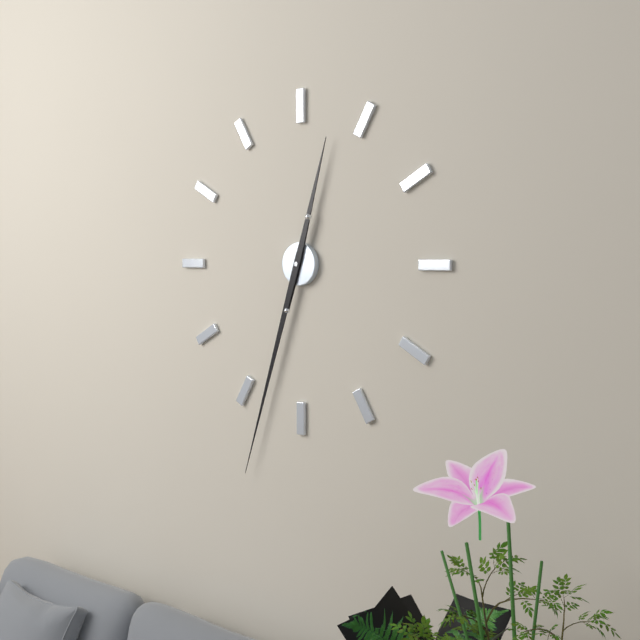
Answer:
12:33
